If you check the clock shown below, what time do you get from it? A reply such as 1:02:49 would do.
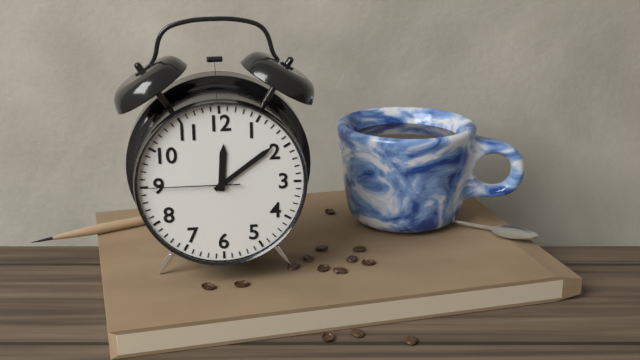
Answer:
12:09:45
